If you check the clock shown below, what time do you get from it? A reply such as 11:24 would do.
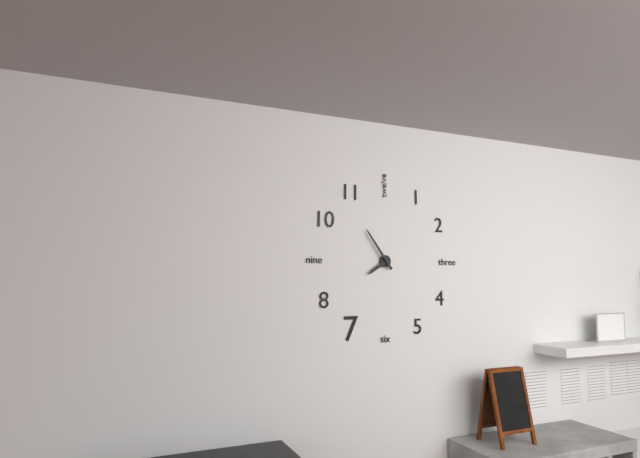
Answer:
7:54
